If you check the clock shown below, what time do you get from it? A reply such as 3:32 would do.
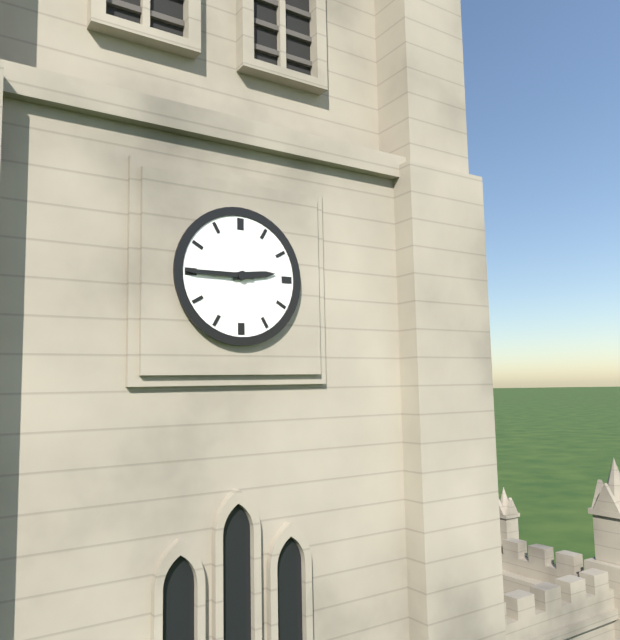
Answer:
2:45
